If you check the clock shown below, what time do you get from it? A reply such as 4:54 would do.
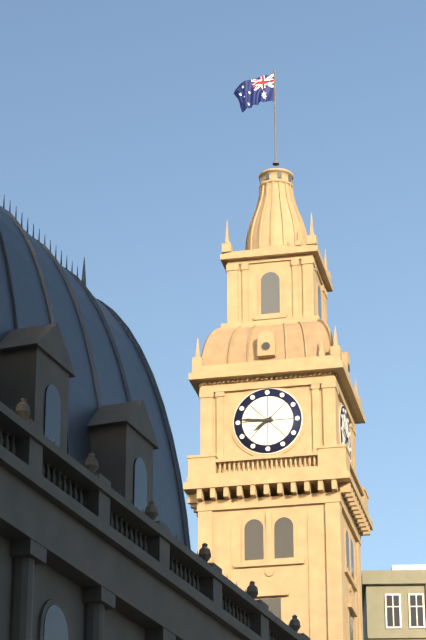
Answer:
7:46
